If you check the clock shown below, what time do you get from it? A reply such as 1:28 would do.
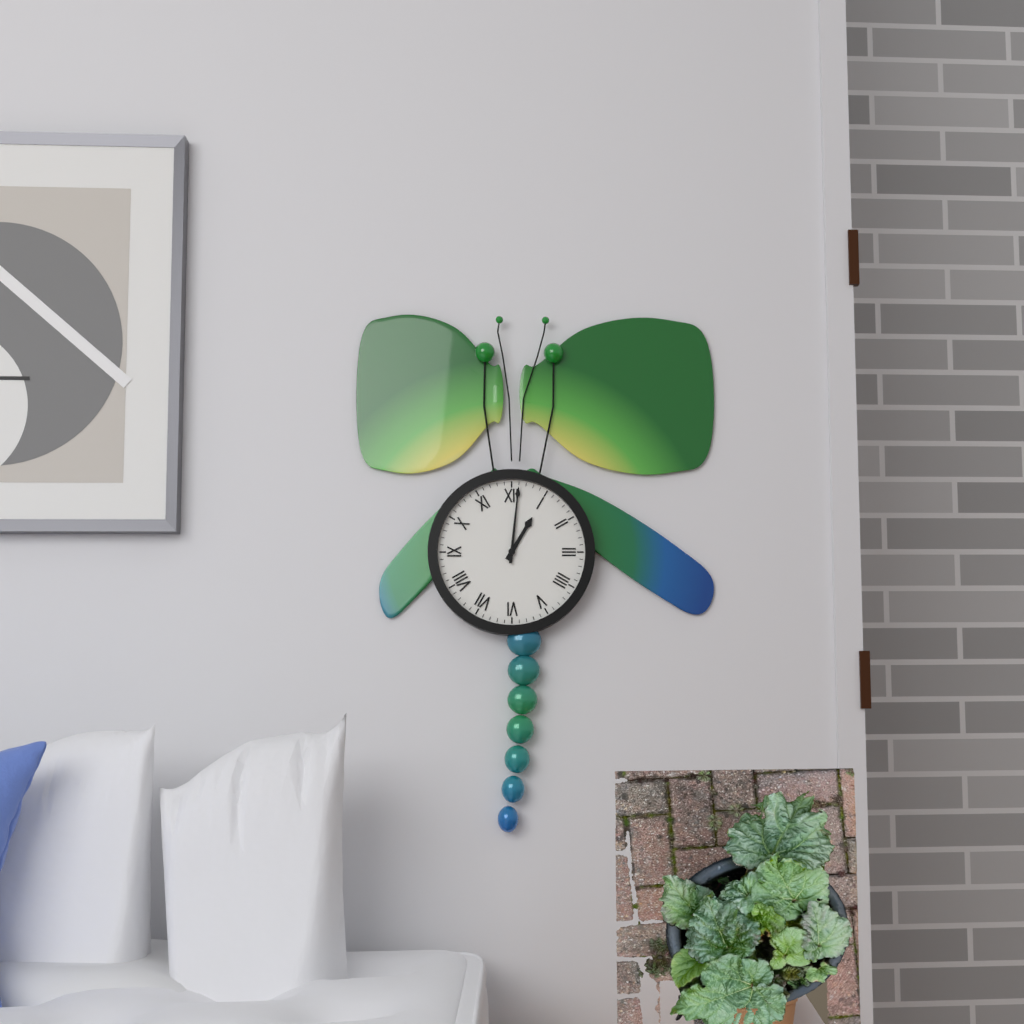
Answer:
1:01
